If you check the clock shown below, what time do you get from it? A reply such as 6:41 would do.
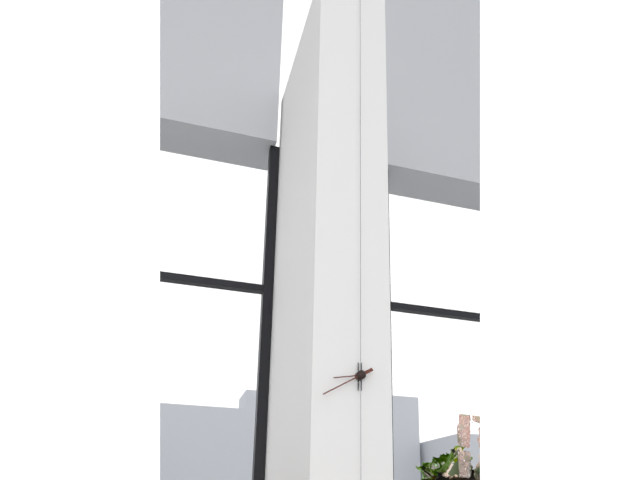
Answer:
8:40
